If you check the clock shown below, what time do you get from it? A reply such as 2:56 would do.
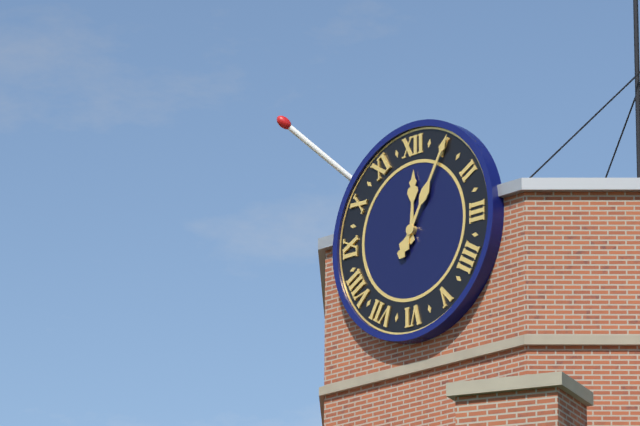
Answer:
12:05
